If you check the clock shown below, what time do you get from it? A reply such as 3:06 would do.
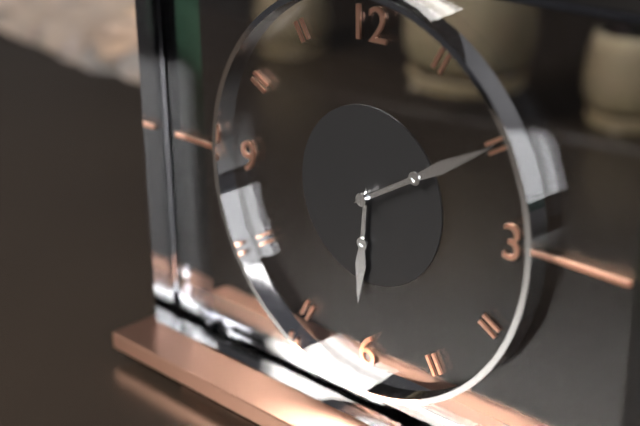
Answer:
6:10
